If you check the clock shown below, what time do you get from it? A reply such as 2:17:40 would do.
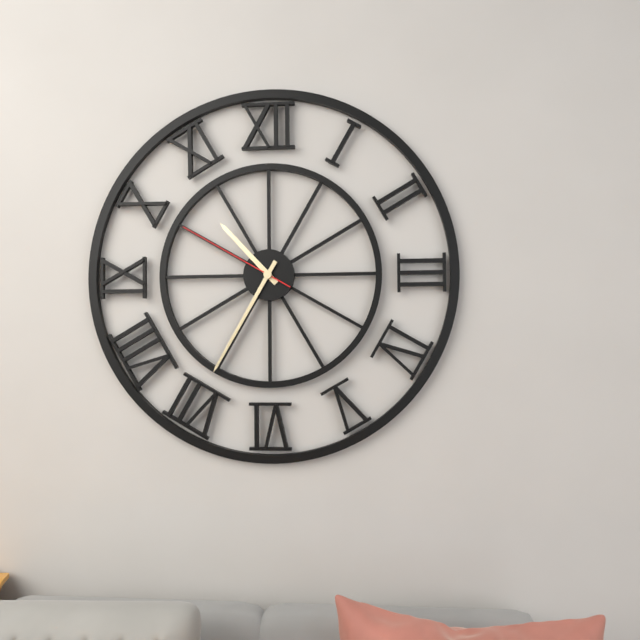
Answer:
10:35:50
